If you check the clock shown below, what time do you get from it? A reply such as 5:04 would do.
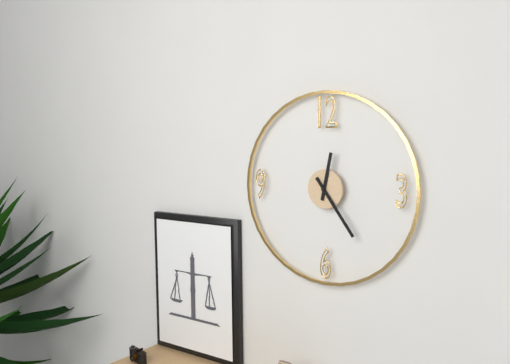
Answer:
12:24
